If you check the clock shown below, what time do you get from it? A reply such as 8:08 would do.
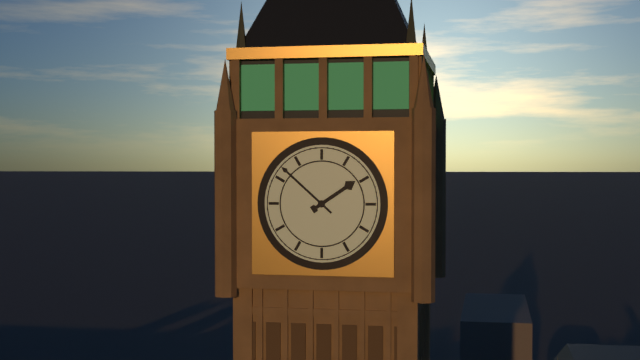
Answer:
1:52
